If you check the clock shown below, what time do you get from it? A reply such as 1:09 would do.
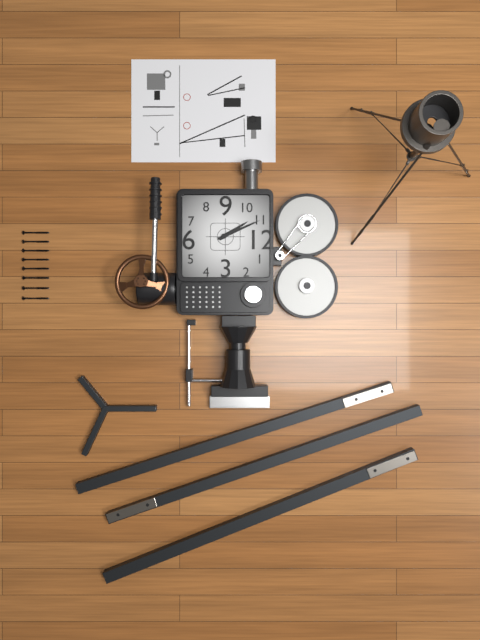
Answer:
10:56
